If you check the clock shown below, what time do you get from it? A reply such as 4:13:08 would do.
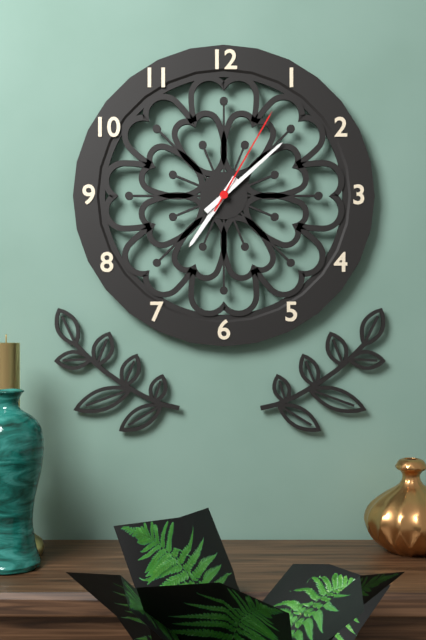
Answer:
7:08:05
